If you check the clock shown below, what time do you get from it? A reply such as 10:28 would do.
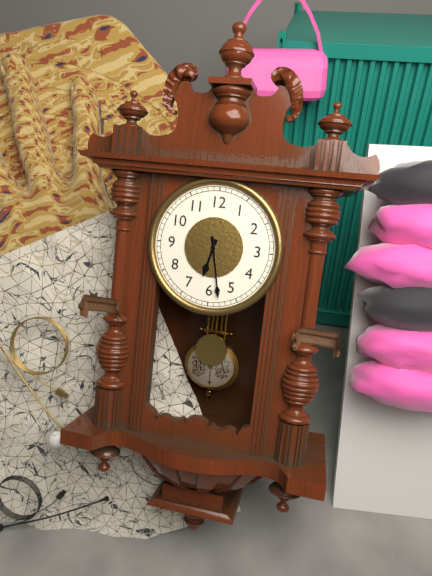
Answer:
6:28
